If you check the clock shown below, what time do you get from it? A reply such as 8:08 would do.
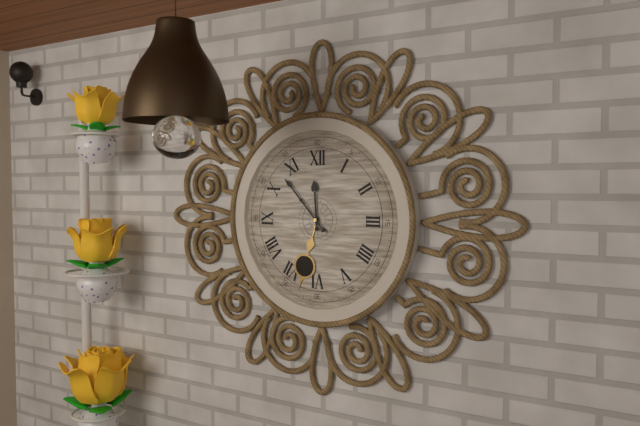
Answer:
11:53
